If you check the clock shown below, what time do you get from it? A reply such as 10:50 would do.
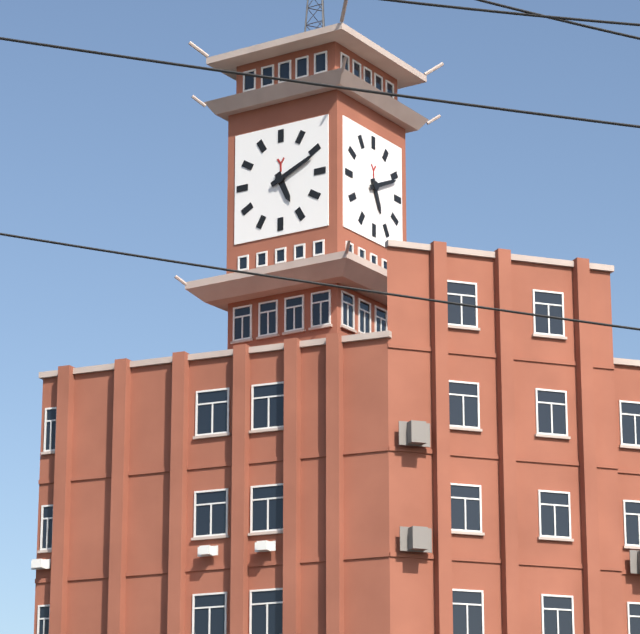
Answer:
5:11
